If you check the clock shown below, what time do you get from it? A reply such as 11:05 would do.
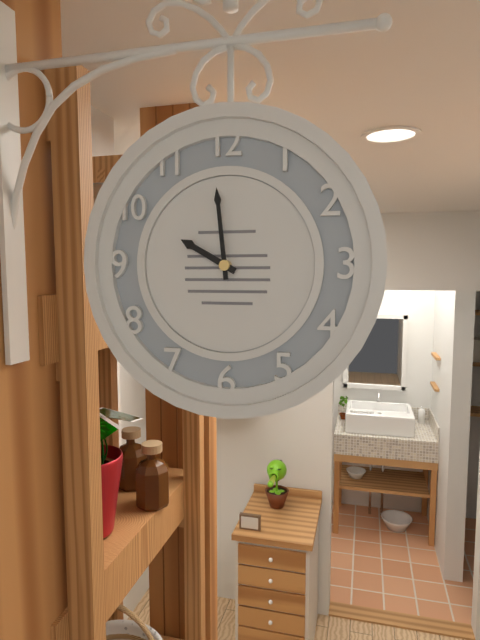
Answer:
9:59
